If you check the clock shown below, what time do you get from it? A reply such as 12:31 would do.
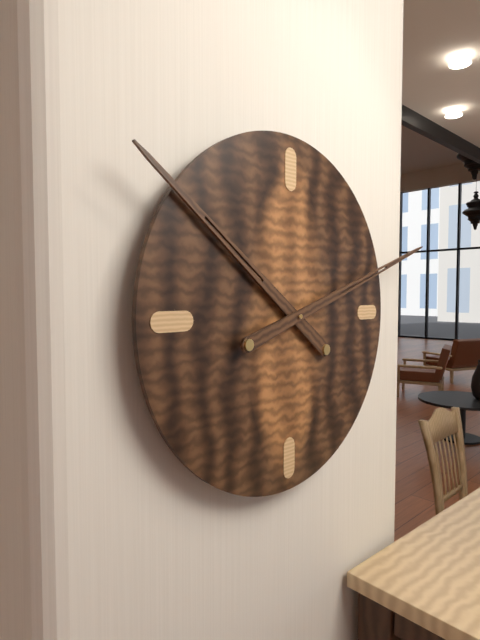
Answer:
10:12
